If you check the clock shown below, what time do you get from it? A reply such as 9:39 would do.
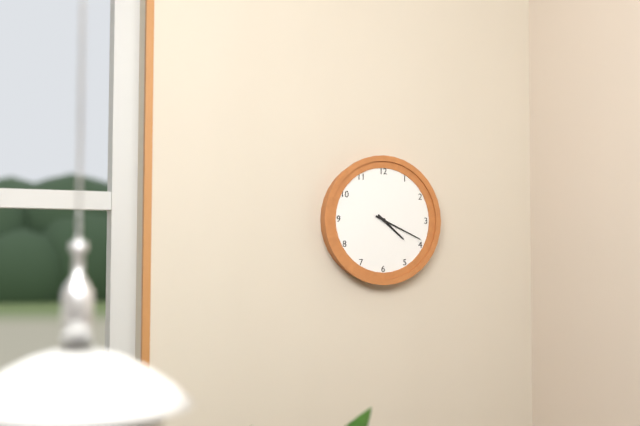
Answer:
4:19
